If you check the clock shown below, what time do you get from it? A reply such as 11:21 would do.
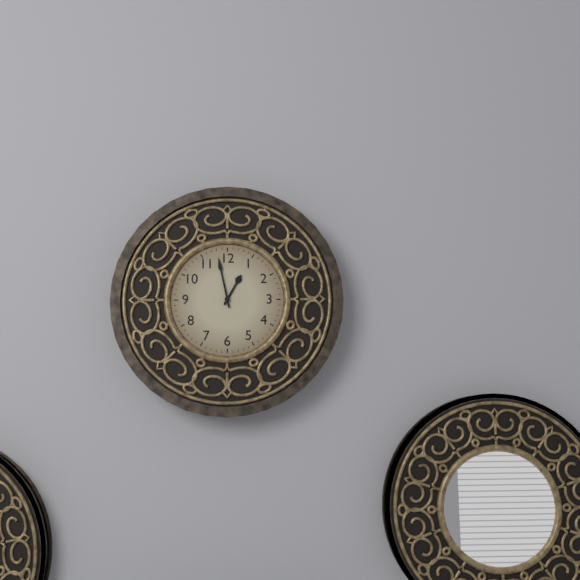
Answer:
12:58
